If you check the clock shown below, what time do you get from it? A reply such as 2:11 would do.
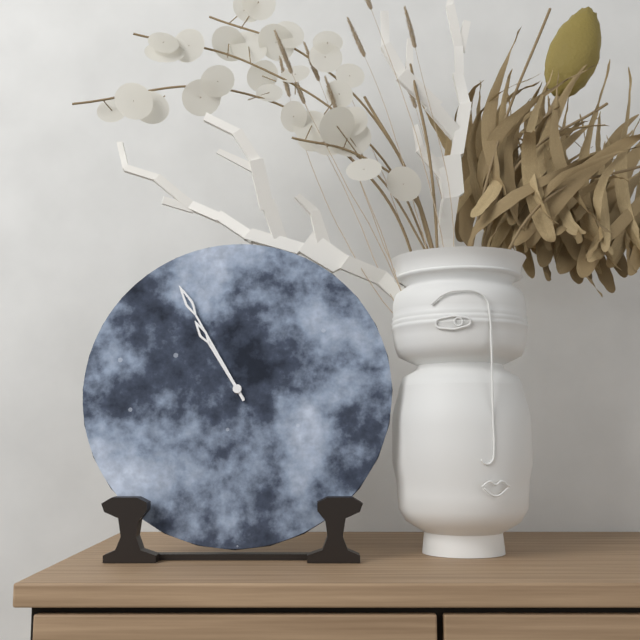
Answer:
10:55
